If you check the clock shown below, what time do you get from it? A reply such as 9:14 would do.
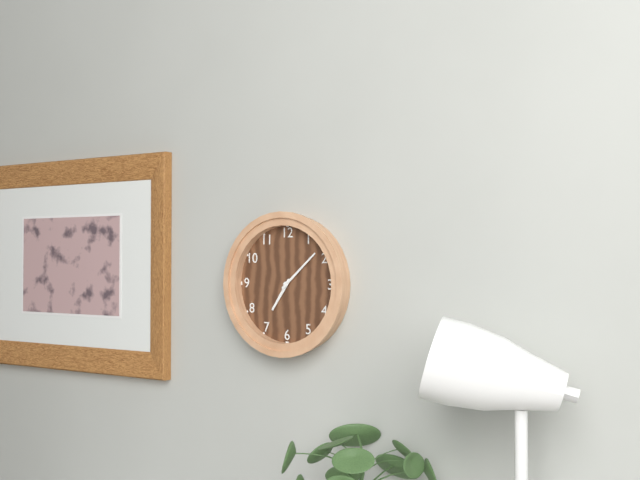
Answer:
7:08
